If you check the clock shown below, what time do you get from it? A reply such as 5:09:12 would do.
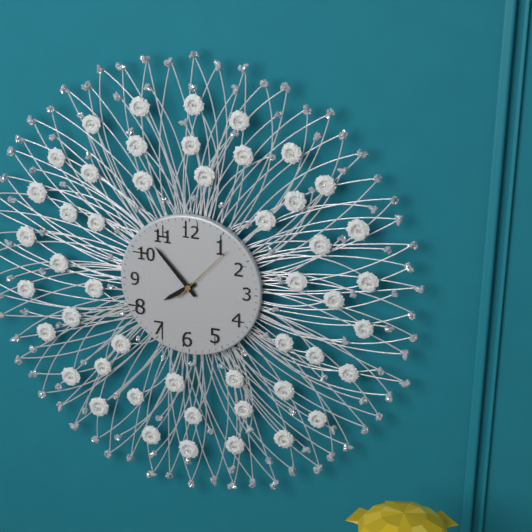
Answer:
7:53:07
